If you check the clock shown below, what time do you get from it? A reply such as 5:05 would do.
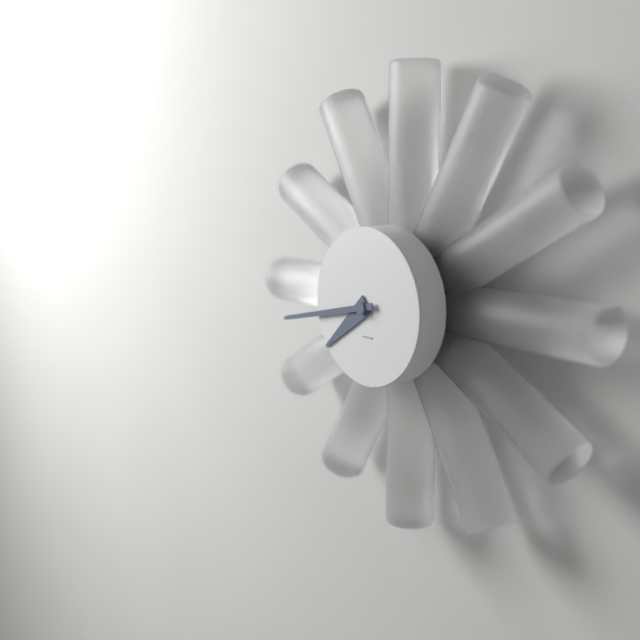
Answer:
7:43
